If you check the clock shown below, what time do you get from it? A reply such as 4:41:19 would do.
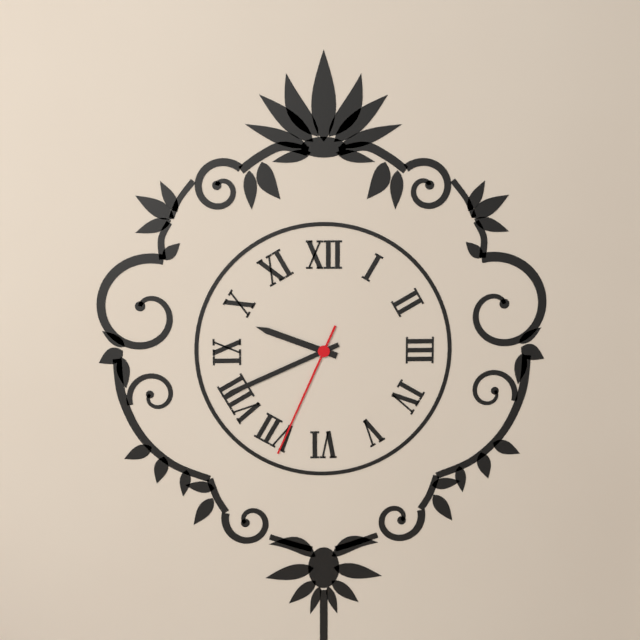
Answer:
9:41:34
